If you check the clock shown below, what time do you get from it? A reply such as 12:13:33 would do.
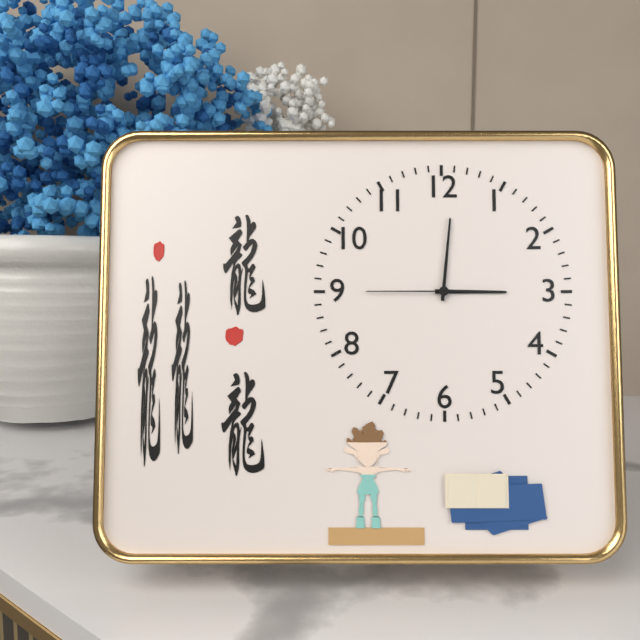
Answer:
3:01:45
